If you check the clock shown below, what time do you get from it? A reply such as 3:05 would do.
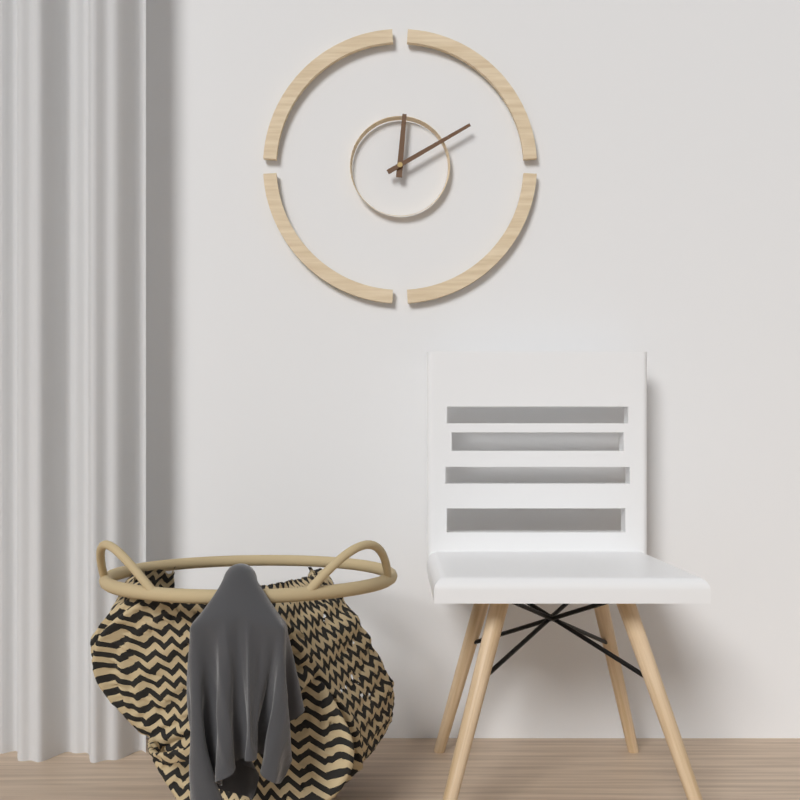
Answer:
12:10
